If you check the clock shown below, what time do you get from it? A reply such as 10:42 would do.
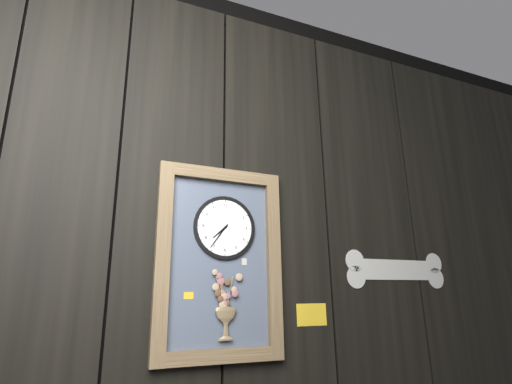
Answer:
7:36
